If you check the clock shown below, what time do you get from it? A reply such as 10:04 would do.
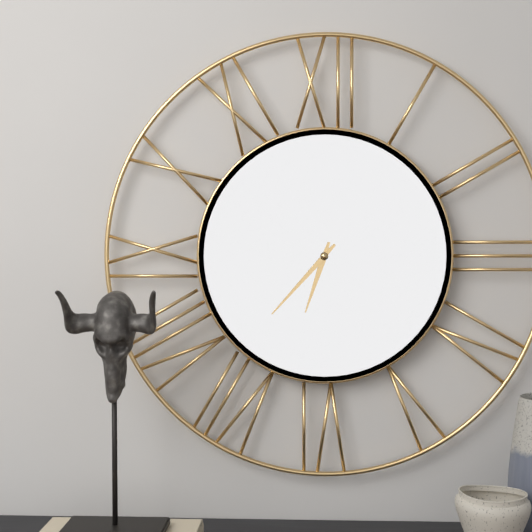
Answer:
6:37
